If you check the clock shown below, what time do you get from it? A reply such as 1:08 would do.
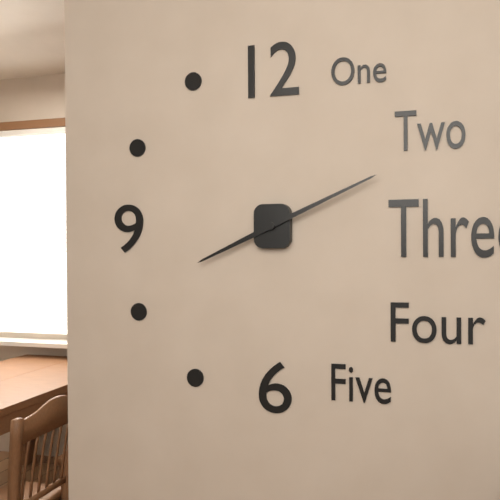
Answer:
8:11
